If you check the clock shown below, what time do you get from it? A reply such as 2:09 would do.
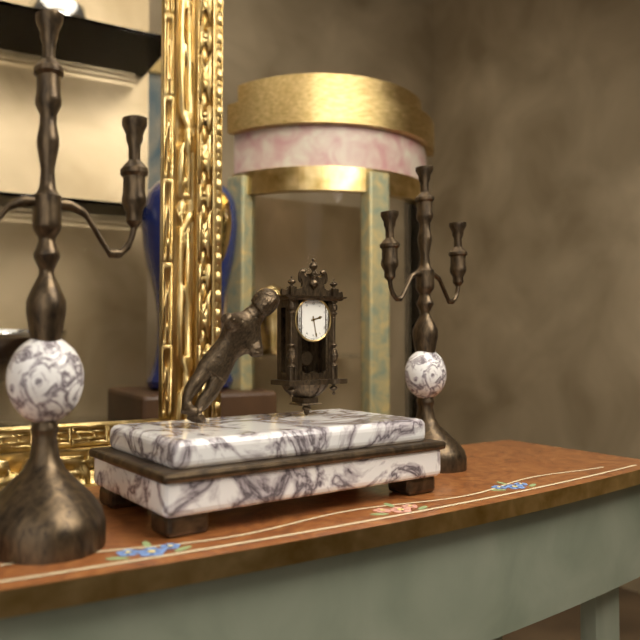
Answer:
2:28
